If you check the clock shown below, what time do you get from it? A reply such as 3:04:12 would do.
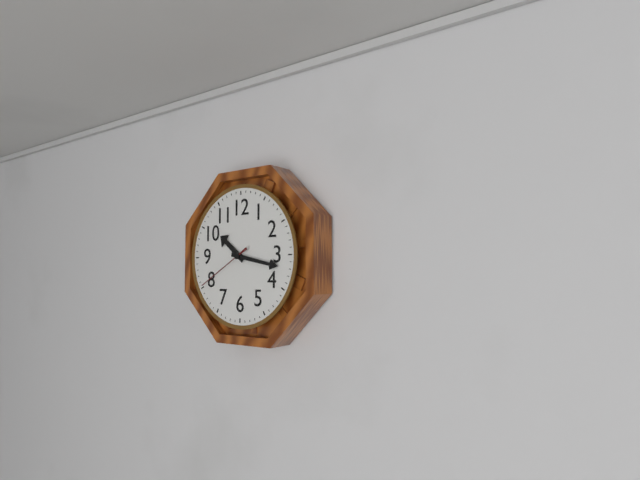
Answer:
10:17:40
